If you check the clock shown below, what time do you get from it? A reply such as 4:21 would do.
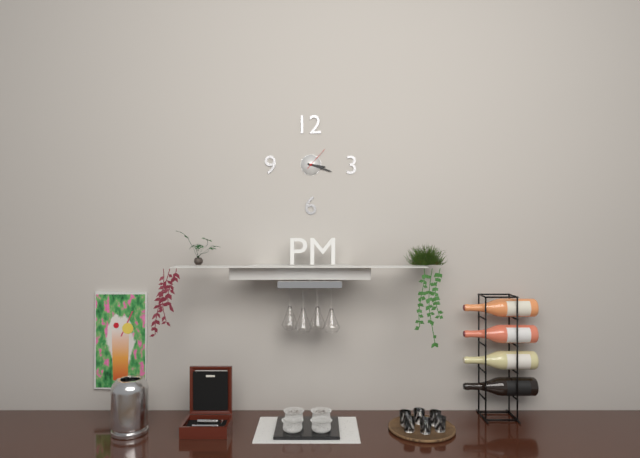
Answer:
3:18
